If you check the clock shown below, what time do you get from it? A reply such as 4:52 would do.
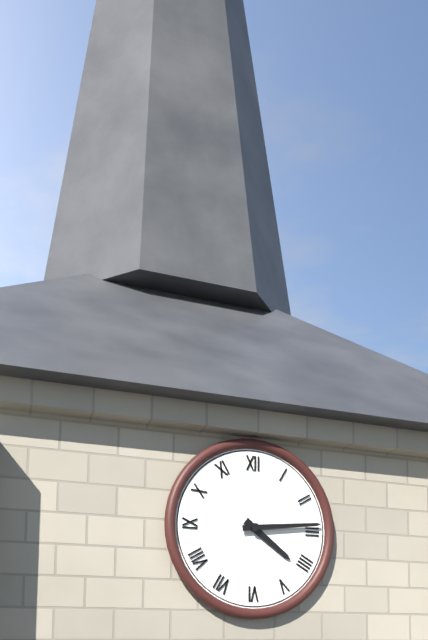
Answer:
4:14
